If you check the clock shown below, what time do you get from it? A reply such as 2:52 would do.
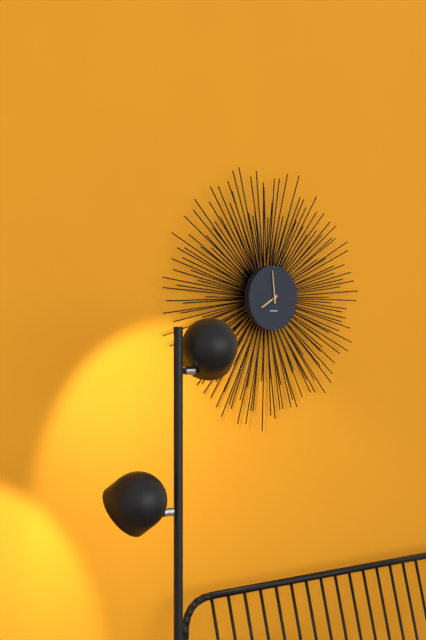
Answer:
7:59
